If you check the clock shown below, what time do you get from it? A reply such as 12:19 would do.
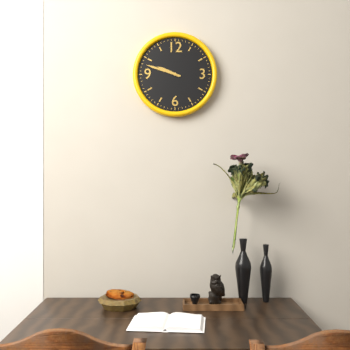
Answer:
9:48
